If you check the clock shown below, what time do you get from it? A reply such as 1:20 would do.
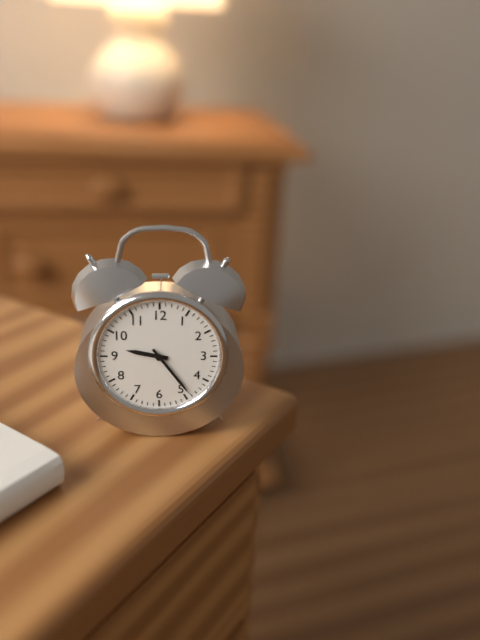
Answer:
9:24
